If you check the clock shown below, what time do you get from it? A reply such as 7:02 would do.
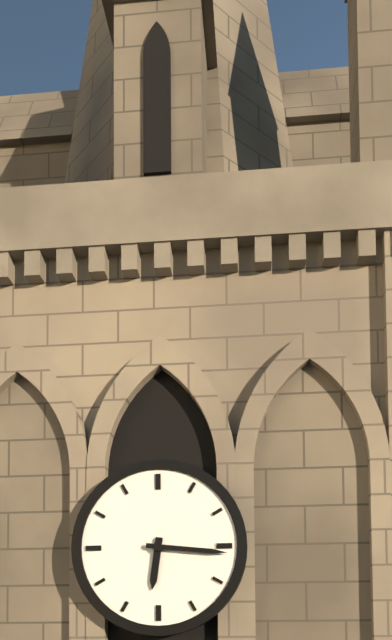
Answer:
6:16
